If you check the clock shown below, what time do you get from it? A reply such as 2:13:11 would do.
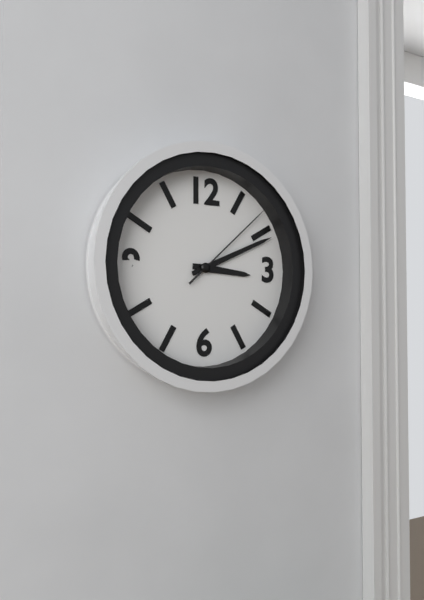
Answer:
3:11:08
